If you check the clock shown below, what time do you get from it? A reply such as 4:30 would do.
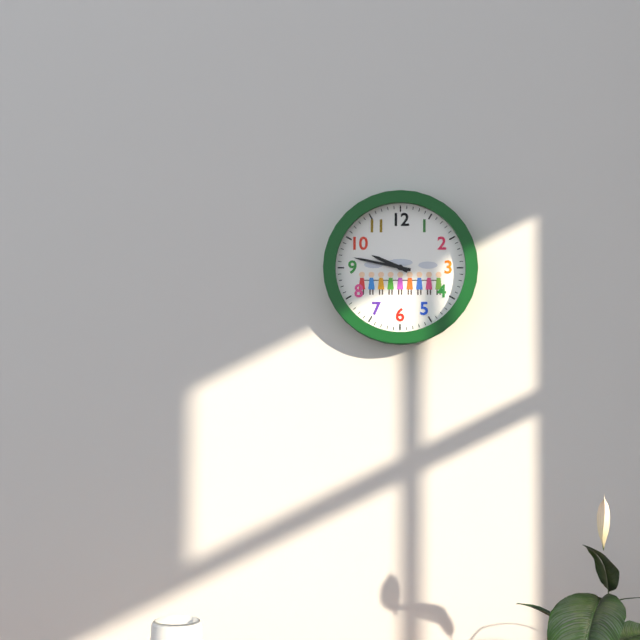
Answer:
9:47
